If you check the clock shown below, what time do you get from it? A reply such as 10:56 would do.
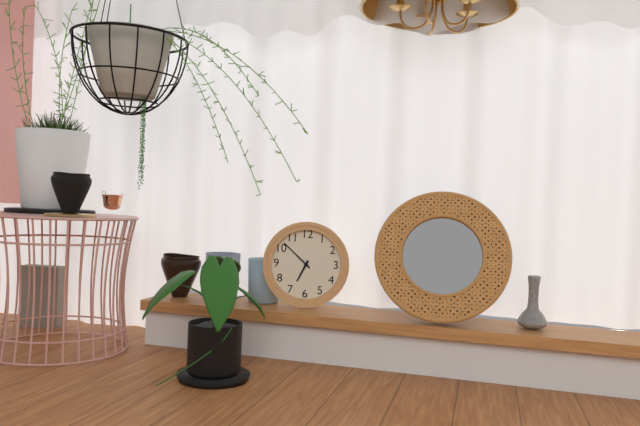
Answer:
6:52
